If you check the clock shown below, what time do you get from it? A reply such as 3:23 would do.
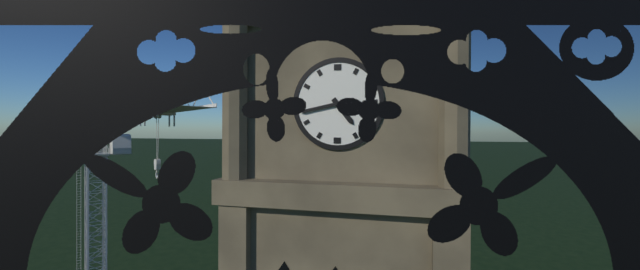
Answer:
4:43
